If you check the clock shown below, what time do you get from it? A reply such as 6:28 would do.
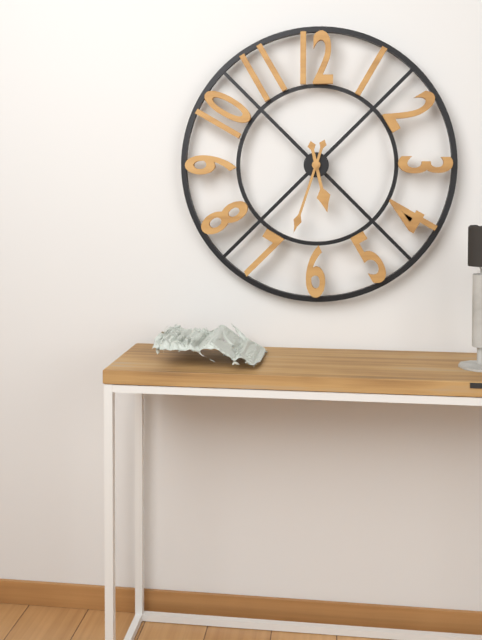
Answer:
5:33
